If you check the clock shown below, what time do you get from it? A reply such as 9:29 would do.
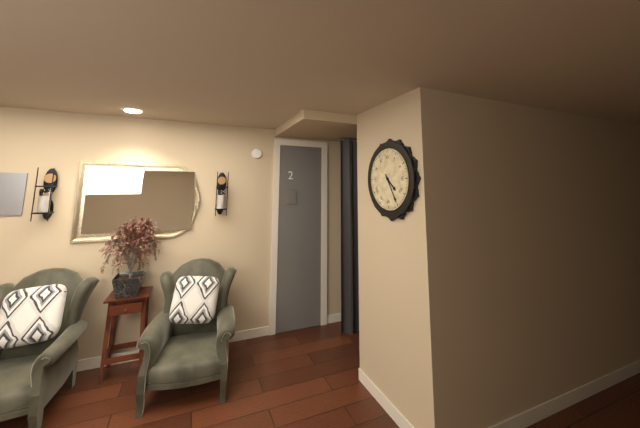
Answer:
4:25
